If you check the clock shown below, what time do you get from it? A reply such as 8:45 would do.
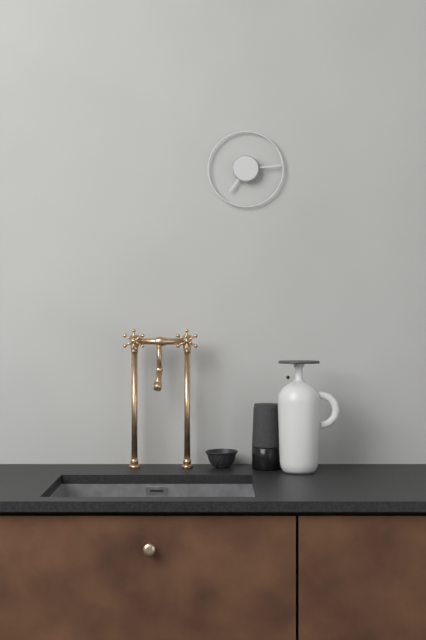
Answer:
7:14
